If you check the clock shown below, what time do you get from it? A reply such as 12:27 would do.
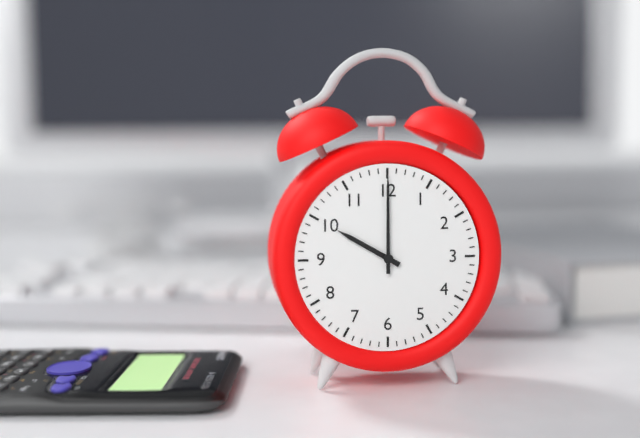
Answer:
10:00
